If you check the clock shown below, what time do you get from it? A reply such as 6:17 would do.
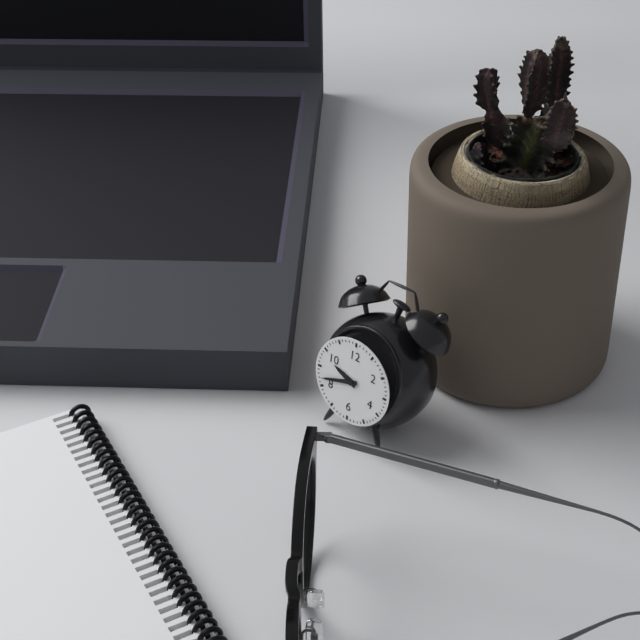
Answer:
9:42
